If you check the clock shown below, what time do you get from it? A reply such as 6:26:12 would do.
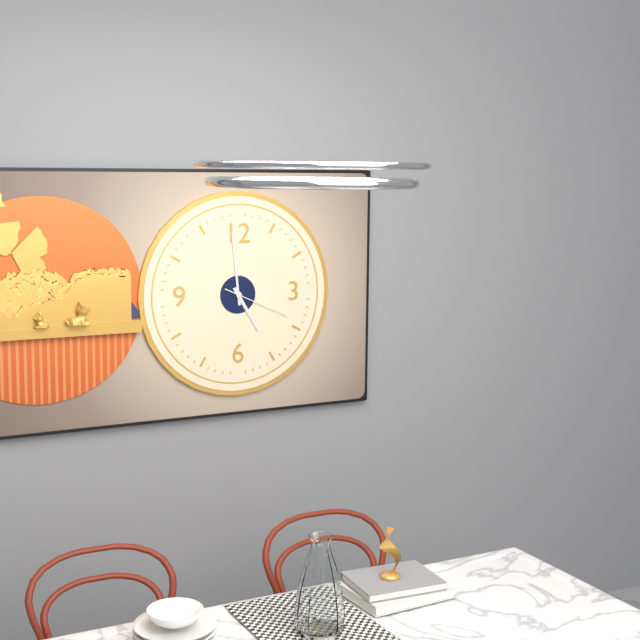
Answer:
4:59:19
